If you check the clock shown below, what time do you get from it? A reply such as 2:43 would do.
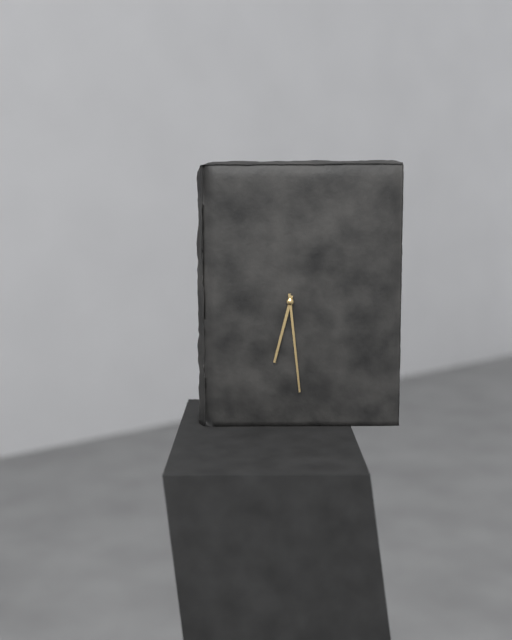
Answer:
6:29
